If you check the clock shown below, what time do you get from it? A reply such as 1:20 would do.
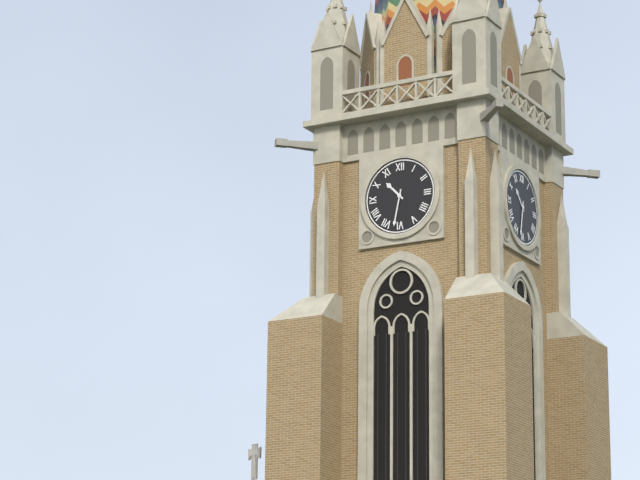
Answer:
10:32
